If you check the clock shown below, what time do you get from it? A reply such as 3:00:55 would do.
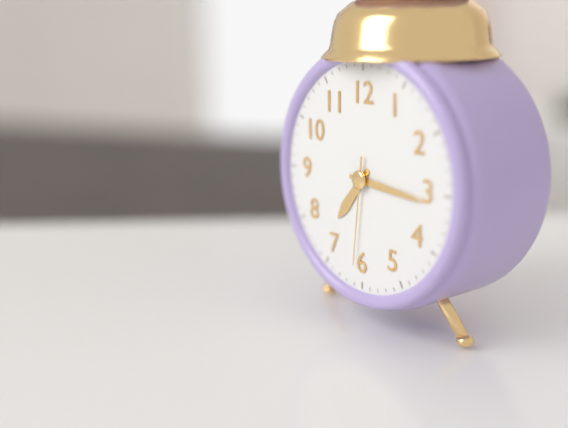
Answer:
7:16:31
